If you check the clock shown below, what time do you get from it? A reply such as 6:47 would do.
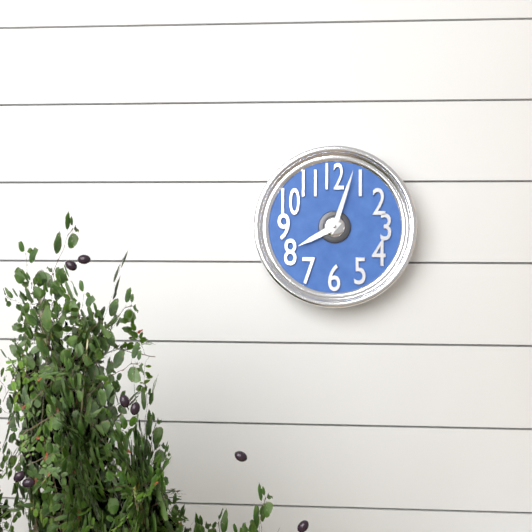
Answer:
8:03
